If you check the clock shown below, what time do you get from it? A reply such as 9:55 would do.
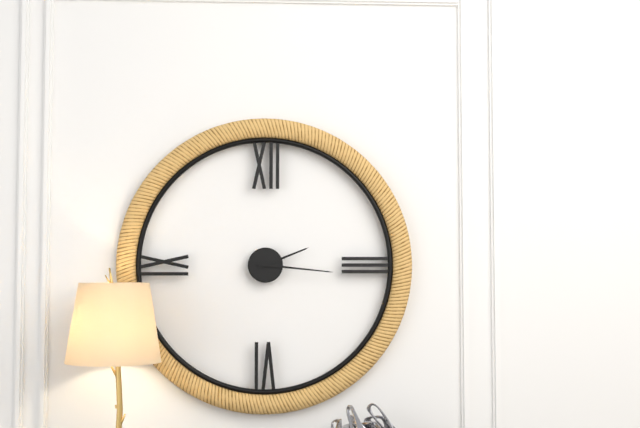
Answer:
2:16
